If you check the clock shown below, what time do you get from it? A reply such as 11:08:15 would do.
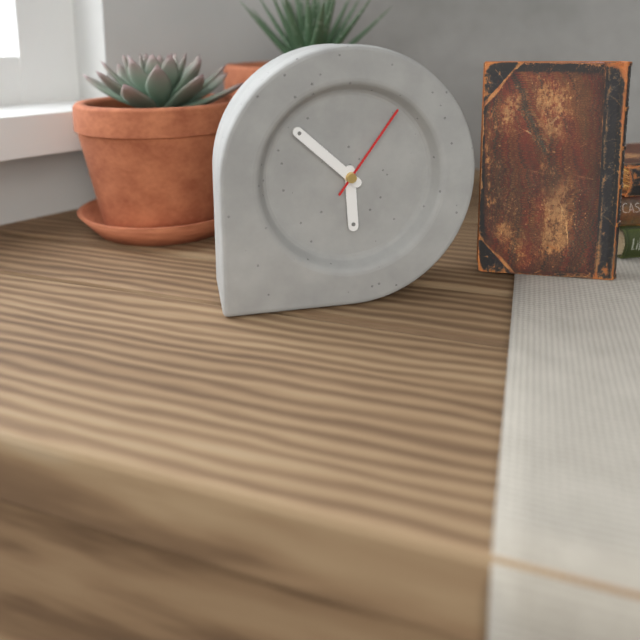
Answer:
5:52:06
